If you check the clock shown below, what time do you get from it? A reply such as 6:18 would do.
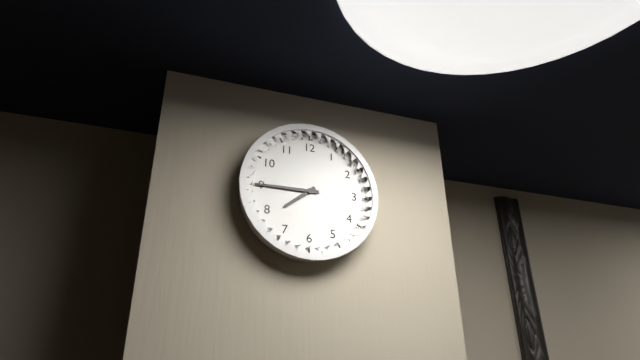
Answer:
7:45
